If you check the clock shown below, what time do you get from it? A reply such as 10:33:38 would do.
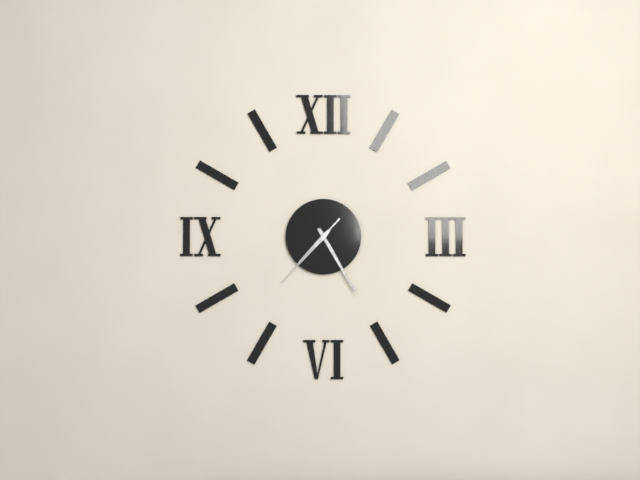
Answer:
7:25:37
